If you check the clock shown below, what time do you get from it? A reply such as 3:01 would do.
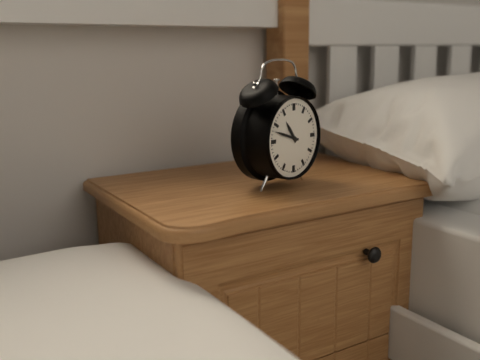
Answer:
10:48
